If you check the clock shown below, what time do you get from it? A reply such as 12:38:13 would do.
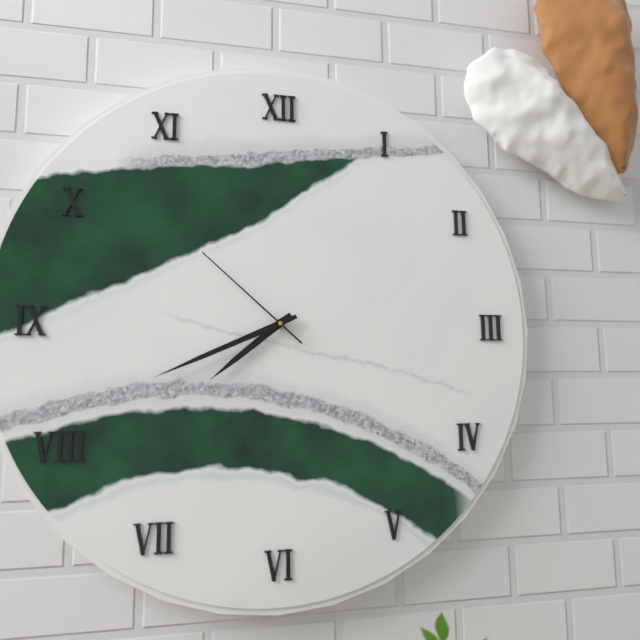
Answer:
7:41:52
